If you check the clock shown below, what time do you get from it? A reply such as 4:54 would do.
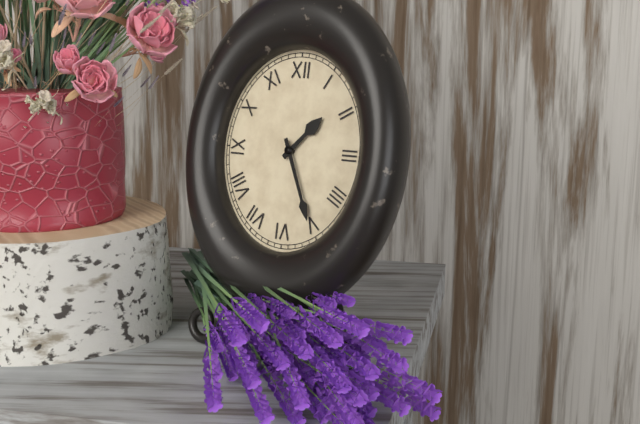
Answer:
1:26
